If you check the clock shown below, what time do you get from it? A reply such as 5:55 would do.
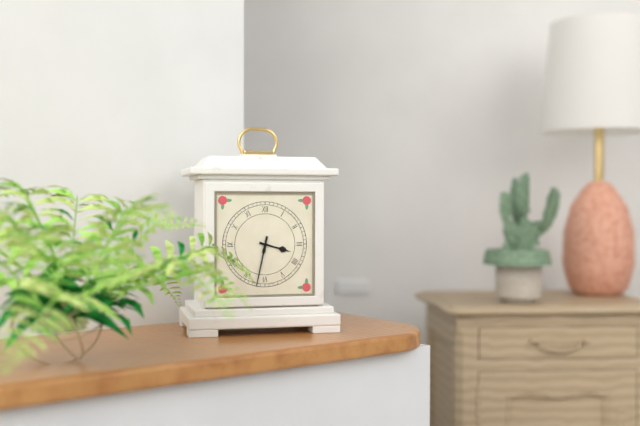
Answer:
3:32
